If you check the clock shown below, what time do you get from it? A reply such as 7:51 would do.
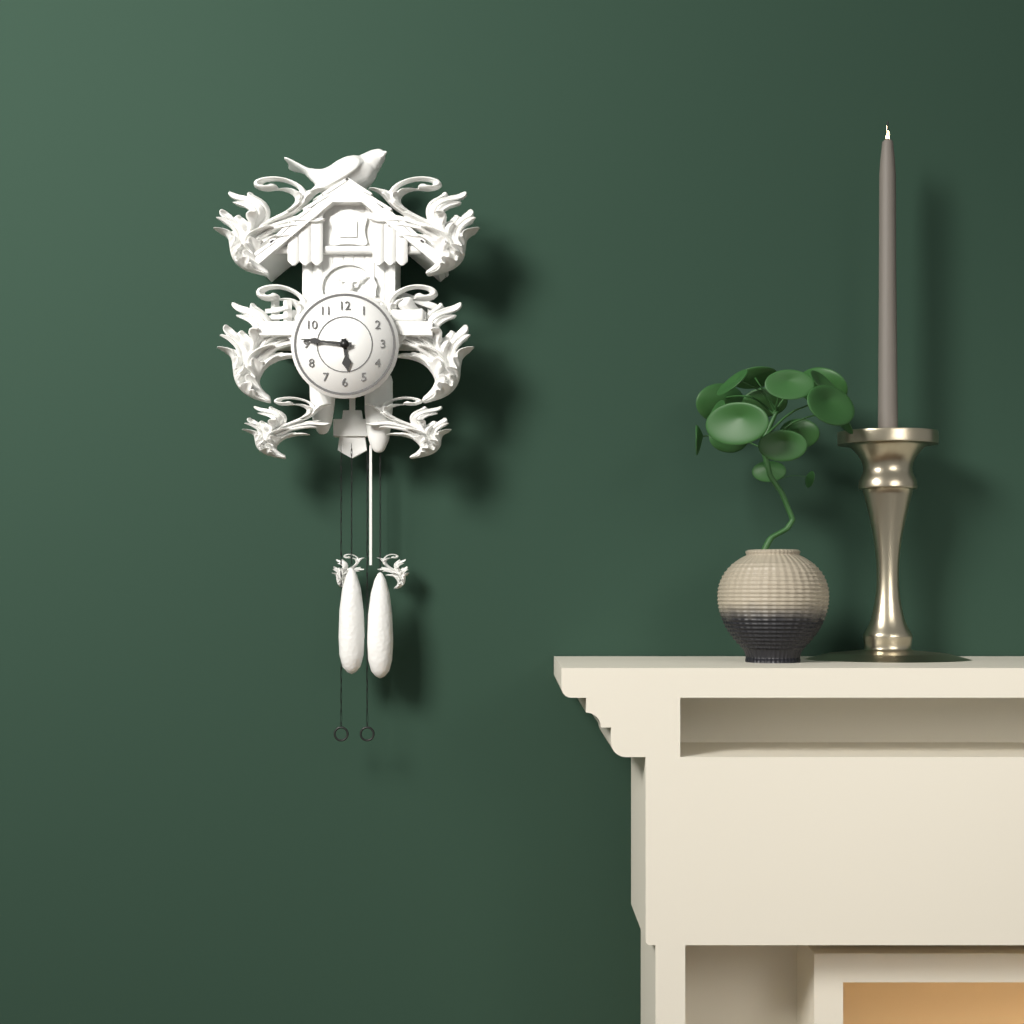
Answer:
5:46
